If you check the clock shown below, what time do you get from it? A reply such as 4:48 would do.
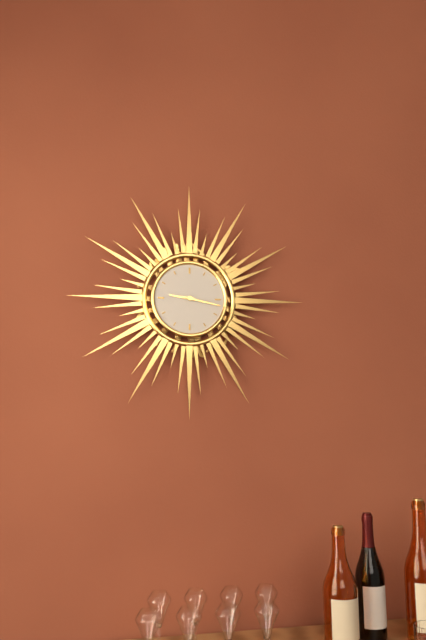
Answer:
9:17
